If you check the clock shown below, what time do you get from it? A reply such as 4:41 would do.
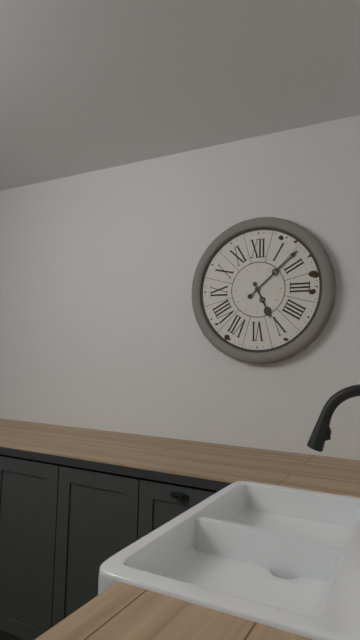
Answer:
5:08
